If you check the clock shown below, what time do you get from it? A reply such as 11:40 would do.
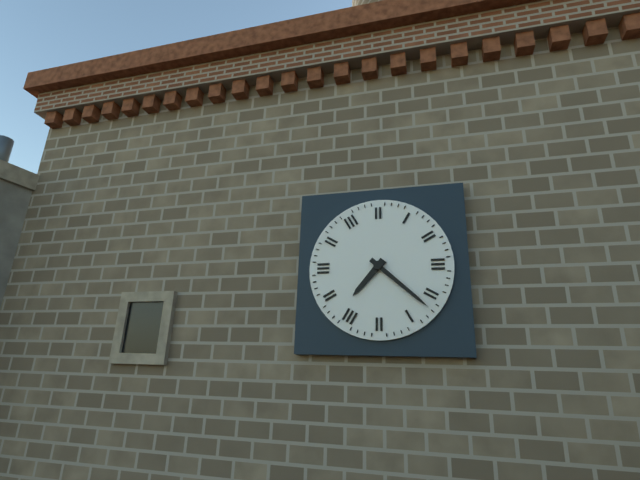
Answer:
7:22
